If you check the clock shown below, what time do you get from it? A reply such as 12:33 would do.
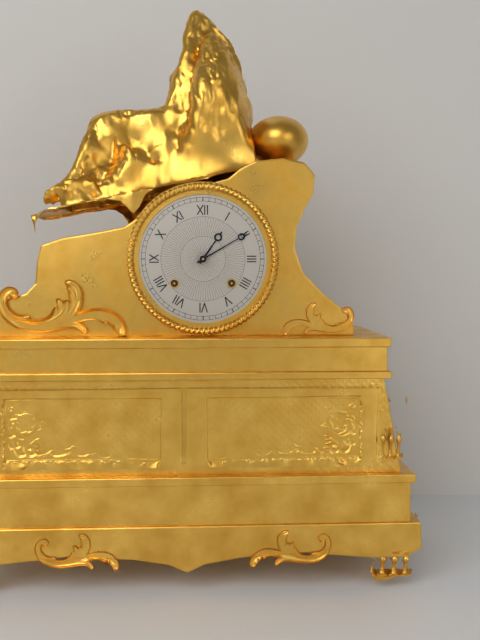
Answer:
1:10
